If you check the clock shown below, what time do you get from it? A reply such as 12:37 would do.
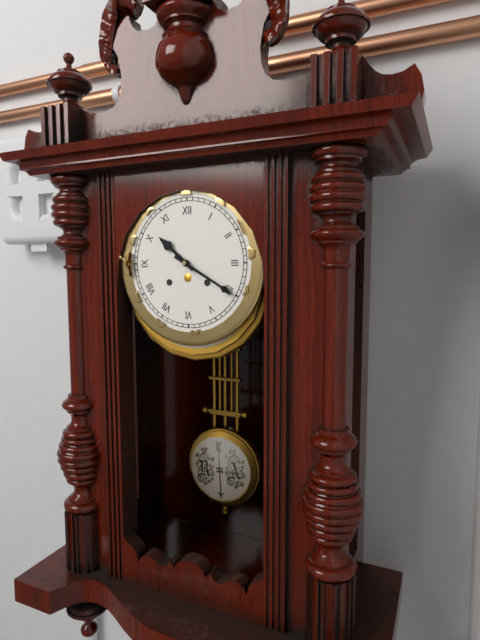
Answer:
10:20
